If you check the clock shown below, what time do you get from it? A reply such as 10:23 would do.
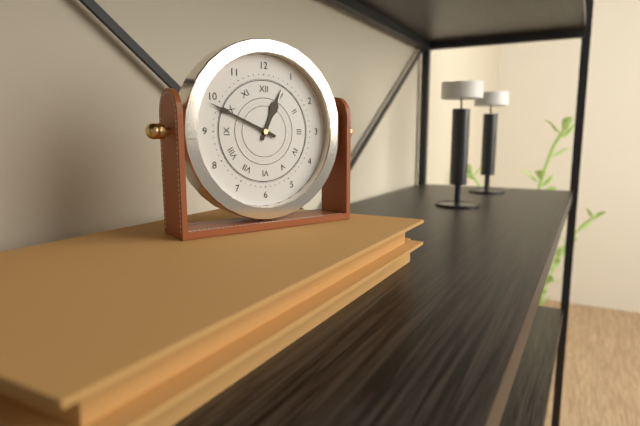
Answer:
12:49
